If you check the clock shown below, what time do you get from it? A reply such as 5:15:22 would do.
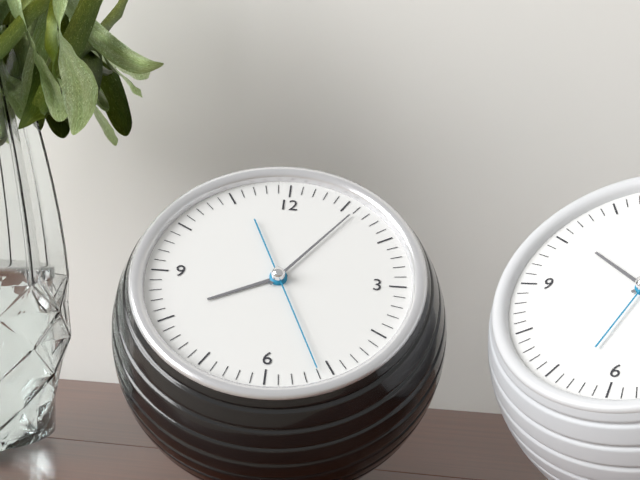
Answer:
8:06:26
